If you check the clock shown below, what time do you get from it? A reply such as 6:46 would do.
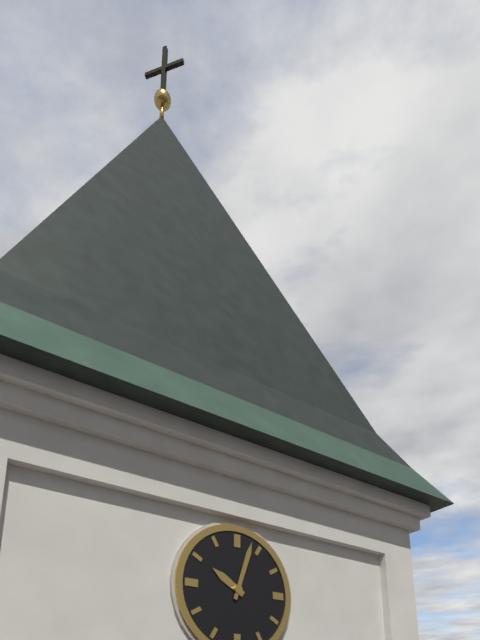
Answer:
10:03
